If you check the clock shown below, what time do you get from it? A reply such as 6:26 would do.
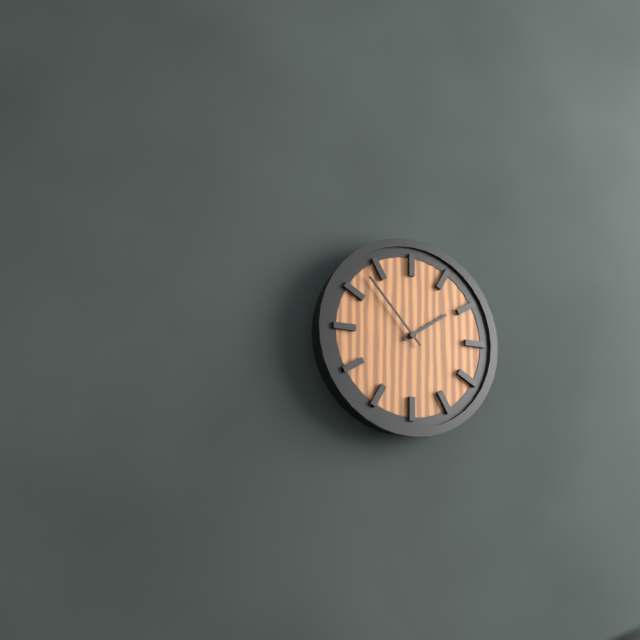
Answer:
1:53
